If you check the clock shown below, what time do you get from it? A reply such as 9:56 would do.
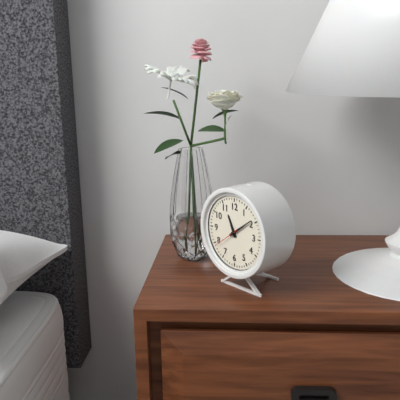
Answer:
11:09
